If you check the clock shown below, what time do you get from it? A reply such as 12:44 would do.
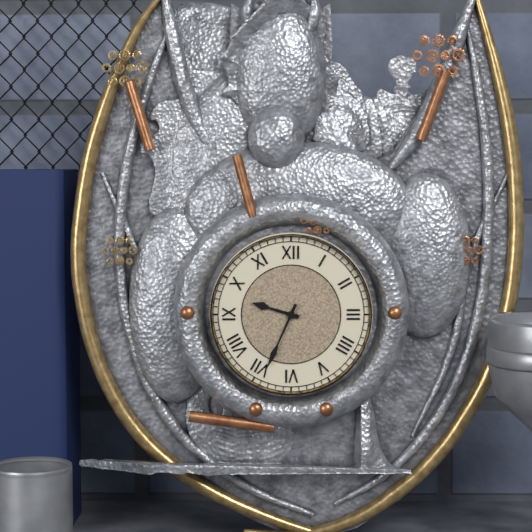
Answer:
9:34
